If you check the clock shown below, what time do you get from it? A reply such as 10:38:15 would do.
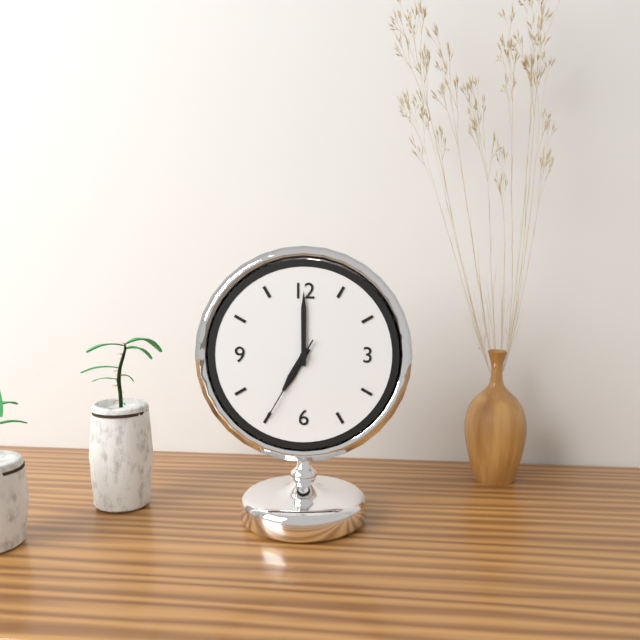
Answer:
7:00:35
